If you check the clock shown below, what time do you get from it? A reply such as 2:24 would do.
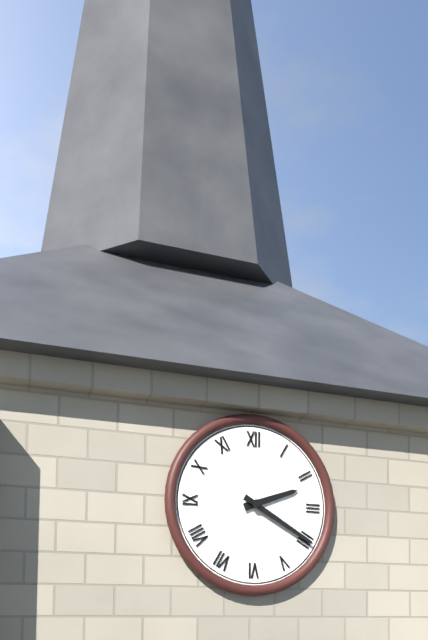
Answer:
2:20
